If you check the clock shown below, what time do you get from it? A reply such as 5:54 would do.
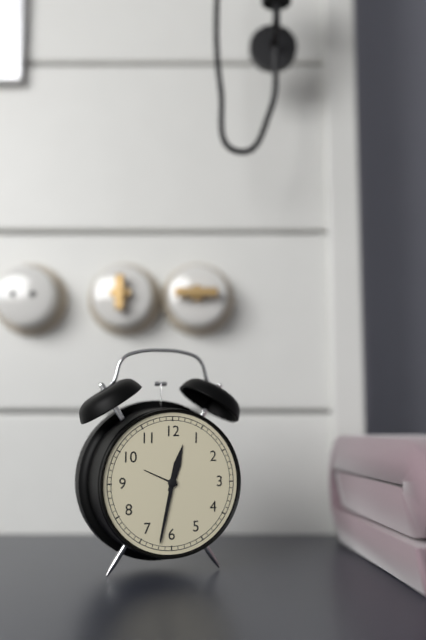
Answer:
12:32
